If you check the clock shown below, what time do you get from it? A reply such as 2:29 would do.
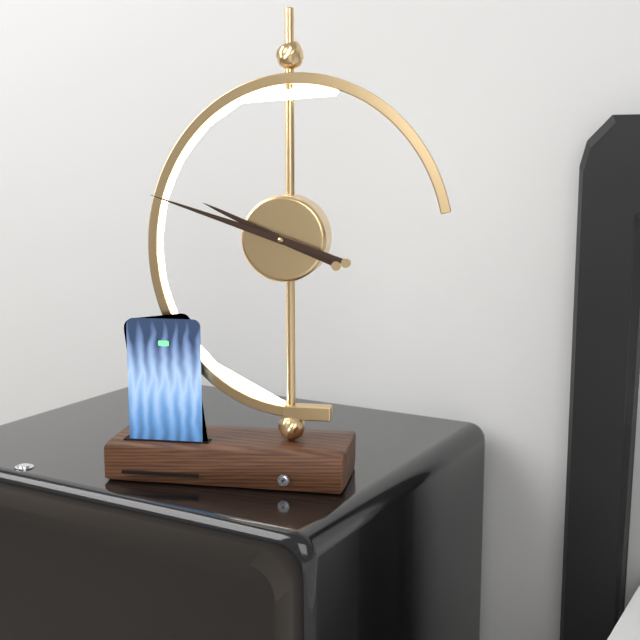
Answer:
9:48
